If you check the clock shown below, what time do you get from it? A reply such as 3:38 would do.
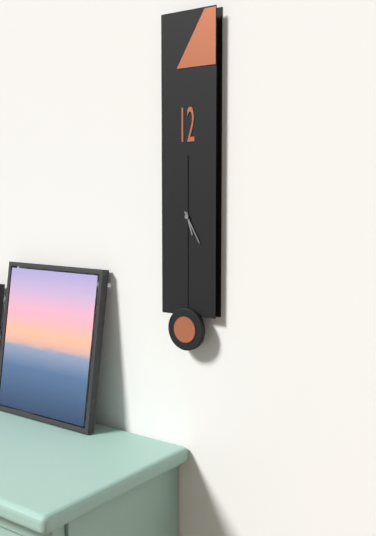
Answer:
5:25
